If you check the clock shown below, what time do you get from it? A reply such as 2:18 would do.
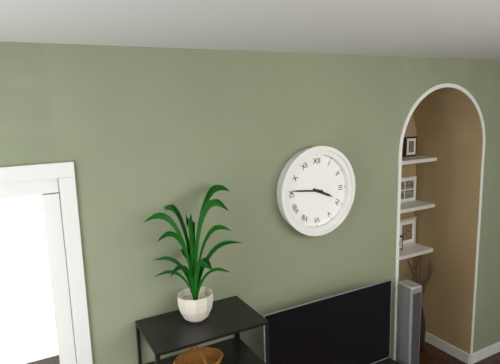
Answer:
3:46
